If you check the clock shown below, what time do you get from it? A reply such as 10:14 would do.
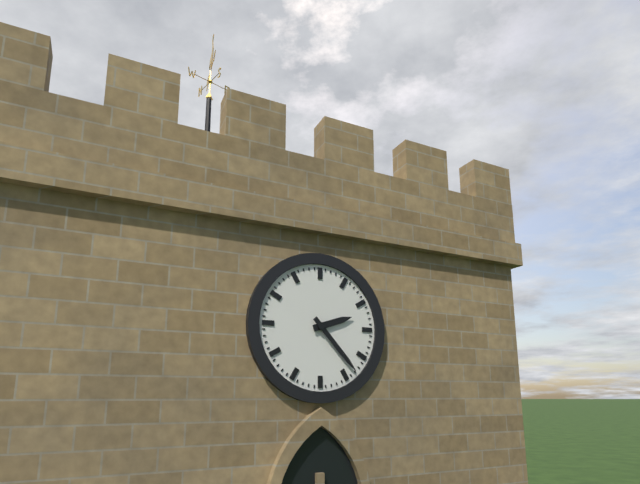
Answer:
2:23
